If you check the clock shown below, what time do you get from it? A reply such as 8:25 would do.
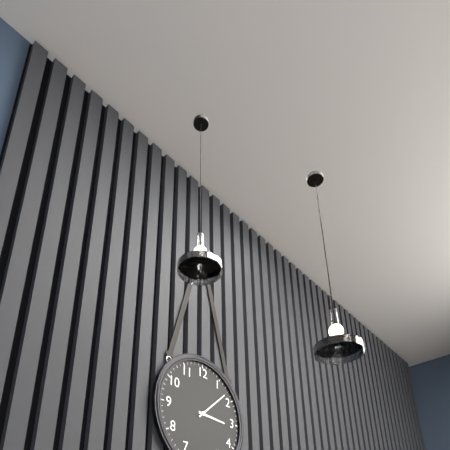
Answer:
3:08
